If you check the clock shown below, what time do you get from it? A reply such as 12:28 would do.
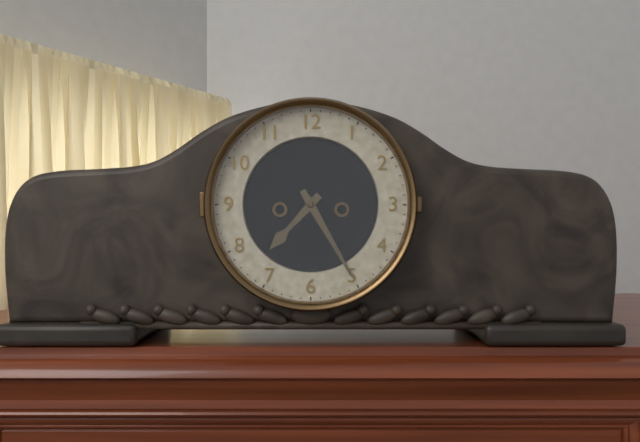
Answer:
7:25
